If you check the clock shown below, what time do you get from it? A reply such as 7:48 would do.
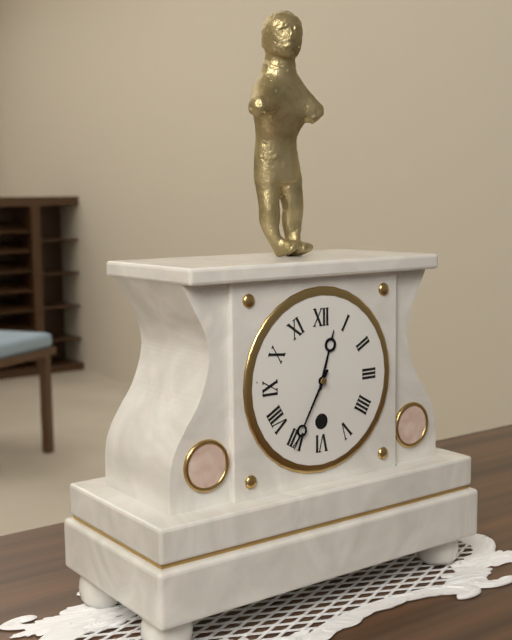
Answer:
12:35
